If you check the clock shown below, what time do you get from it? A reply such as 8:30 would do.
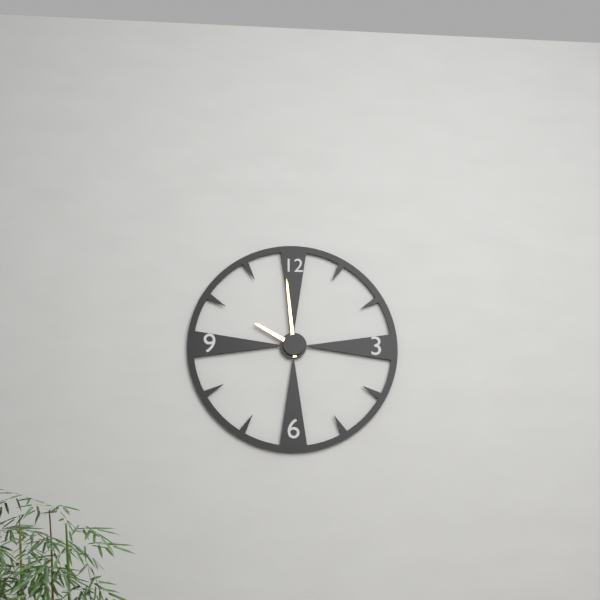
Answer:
9:59
